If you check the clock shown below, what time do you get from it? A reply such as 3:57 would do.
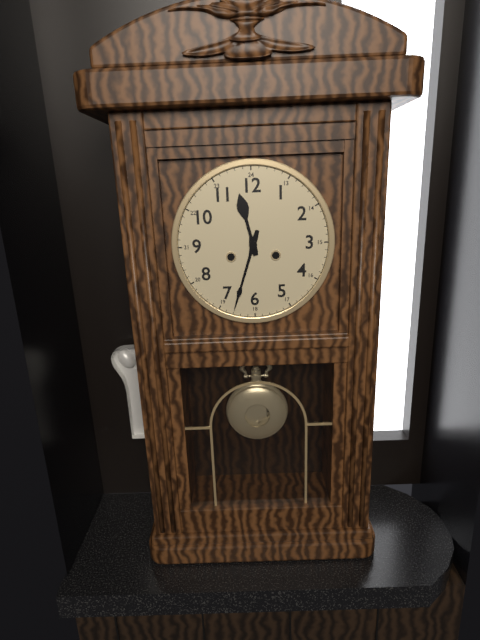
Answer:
11:33
